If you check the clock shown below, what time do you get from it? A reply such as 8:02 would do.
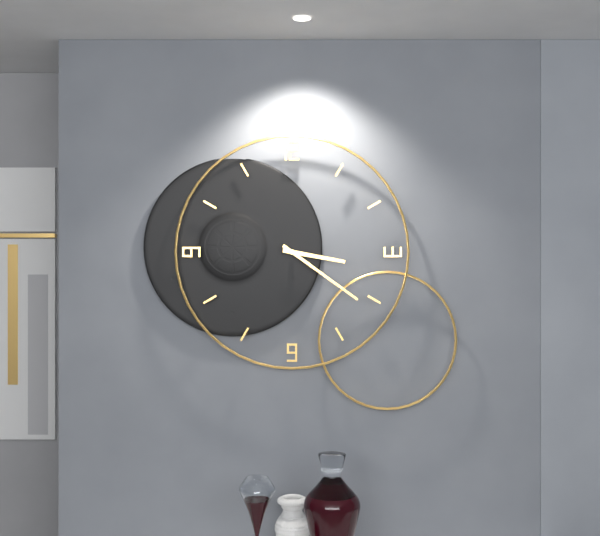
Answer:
3:21
